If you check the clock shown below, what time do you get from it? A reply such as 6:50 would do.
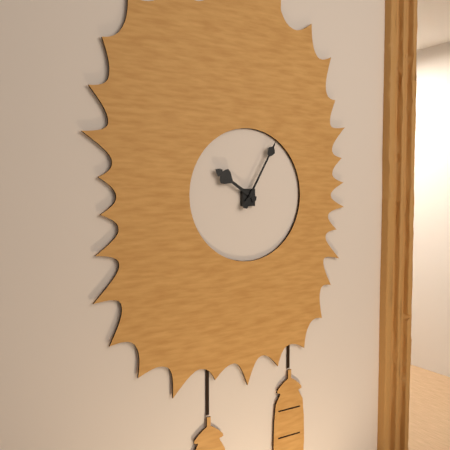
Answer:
10:05
